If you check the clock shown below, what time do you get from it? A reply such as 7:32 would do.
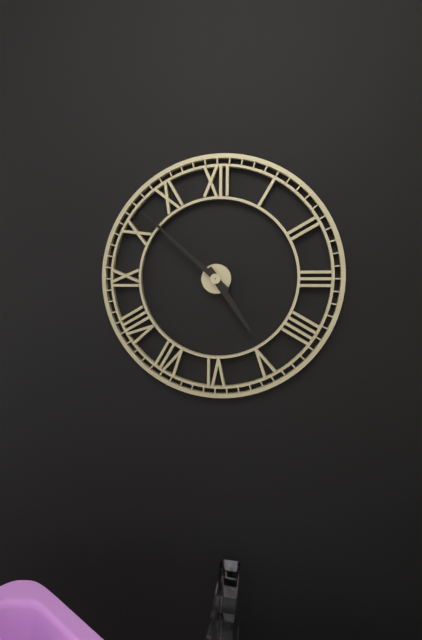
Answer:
4:52
